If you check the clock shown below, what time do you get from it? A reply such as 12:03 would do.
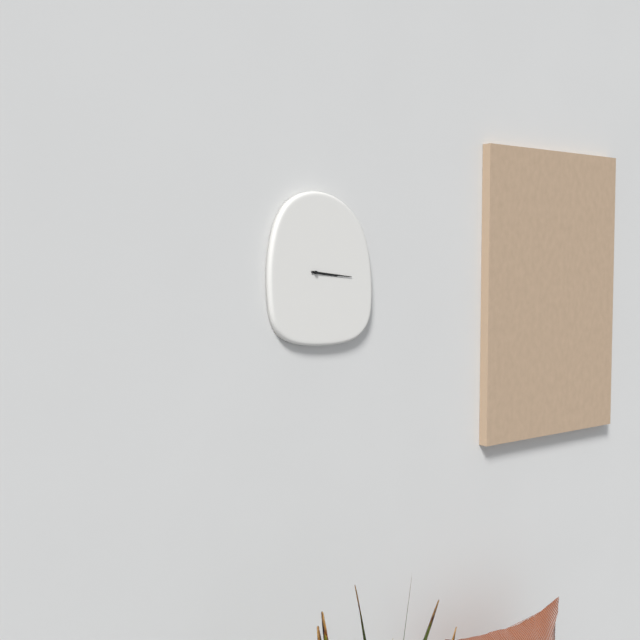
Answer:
3:16
